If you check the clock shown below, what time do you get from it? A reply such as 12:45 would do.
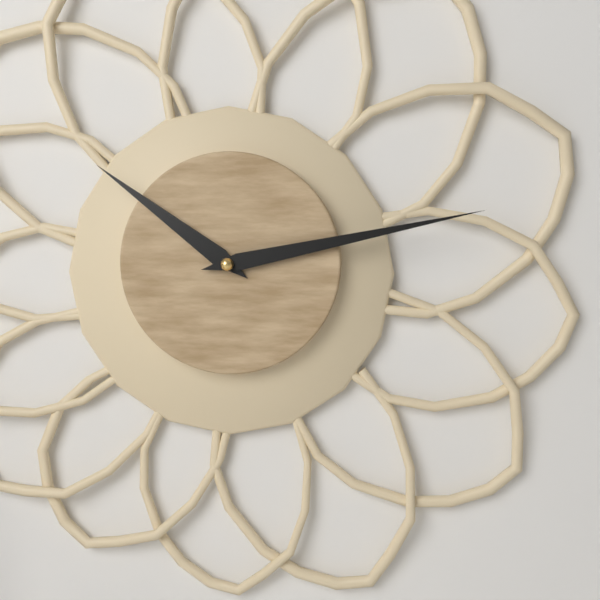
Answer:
10:13
